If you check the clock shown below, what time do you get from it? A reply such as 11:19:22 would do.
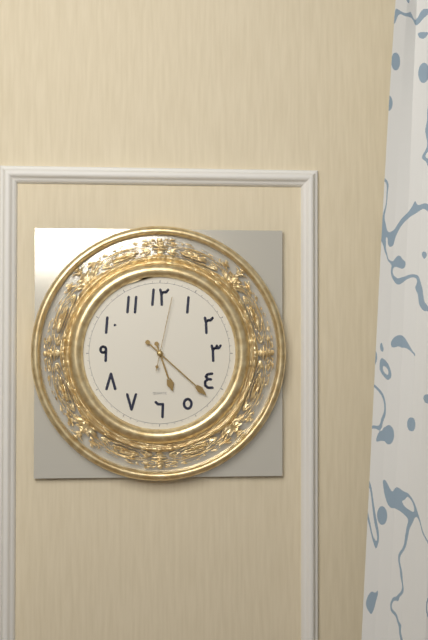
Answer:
5:22:02
